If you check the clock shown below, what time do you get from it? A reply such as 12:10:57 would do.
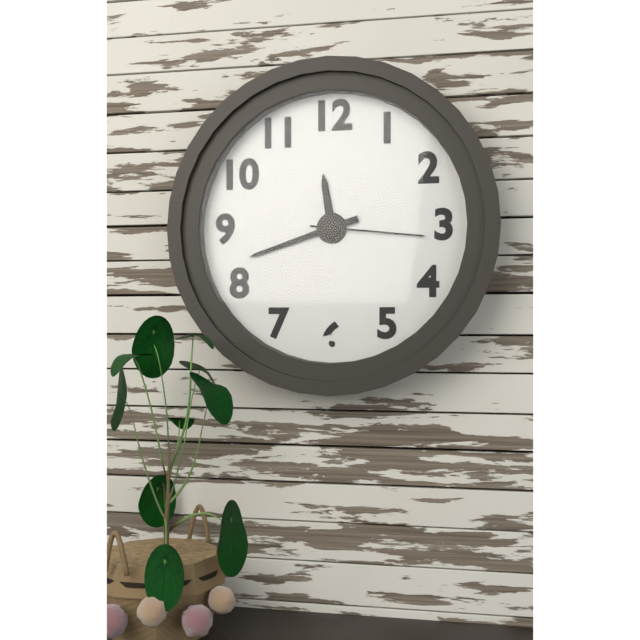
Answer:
11:42:16
